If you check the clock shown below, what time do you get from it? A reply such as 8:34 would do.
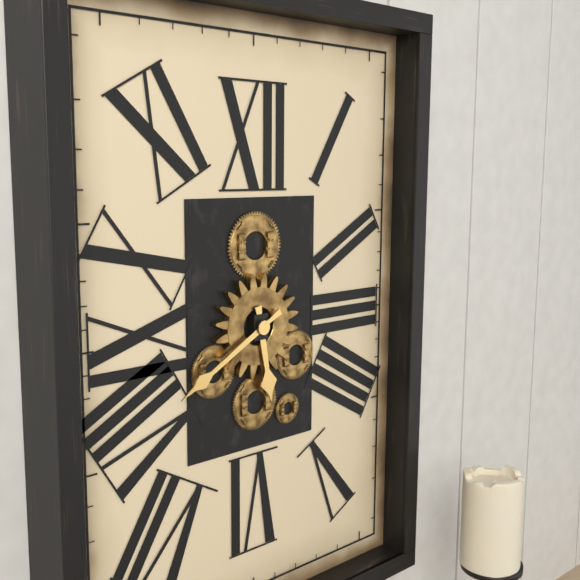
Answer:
5:40
